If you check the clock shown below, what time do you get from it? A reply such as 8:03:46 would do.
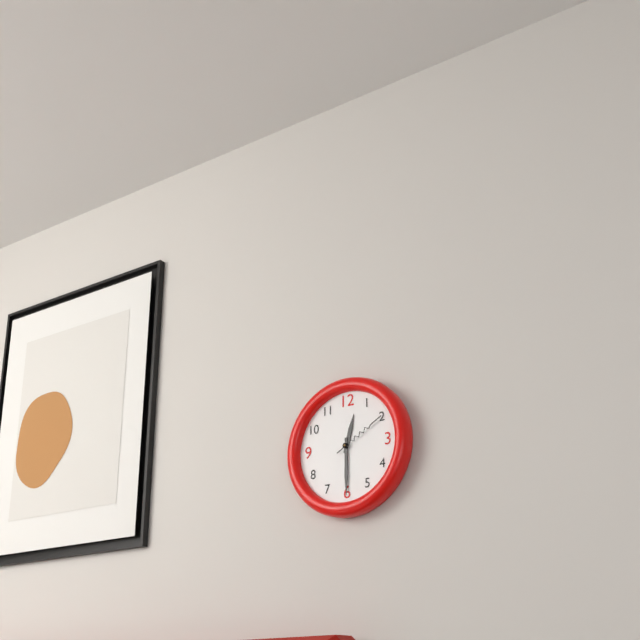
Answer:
12:30:10
